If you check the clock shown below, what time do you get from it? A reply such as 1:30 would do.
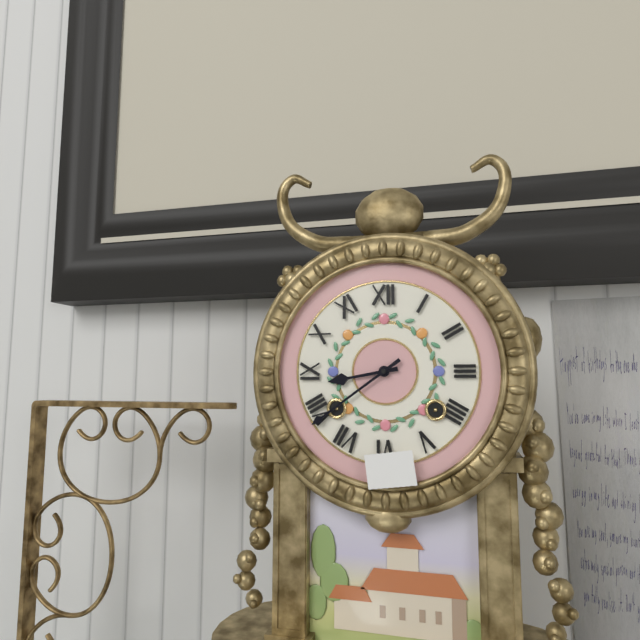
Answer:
8:39
